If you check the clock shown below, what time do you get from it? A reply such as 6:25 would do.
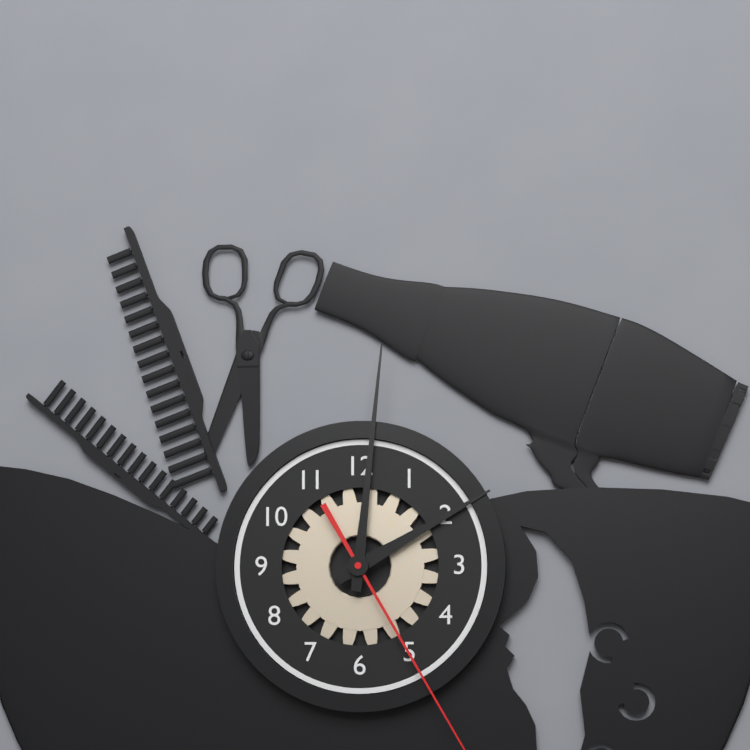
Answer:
2:01
